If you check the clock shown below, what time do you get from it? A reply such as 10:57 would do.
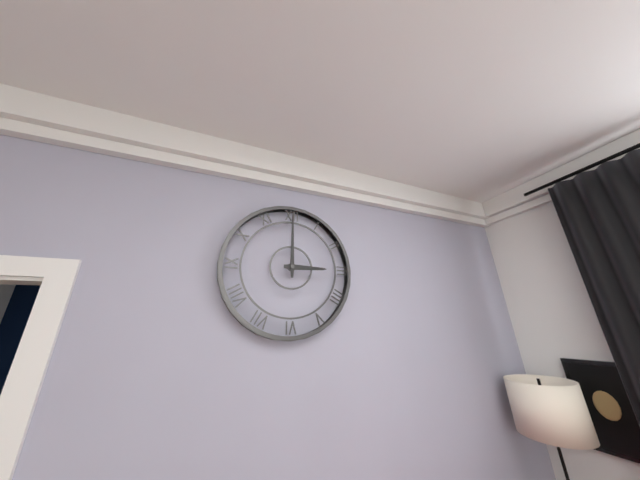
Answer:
3:00
